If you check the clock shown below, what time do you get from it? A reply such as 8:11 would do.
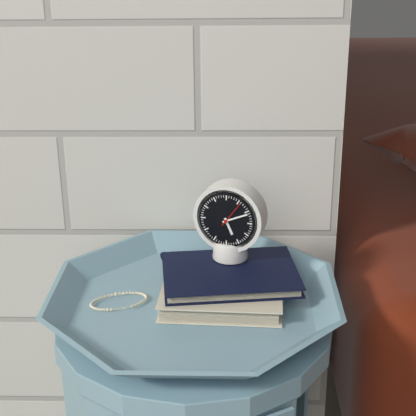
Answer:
5:11
